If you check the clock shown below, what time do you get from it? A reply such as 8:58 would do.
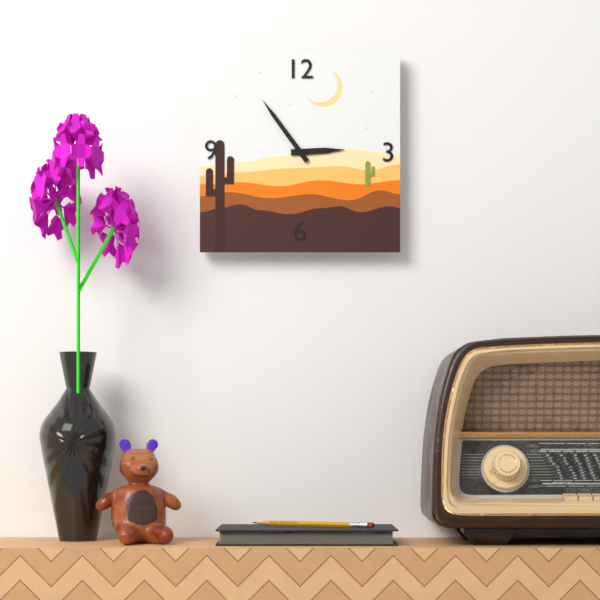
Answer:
2:54
